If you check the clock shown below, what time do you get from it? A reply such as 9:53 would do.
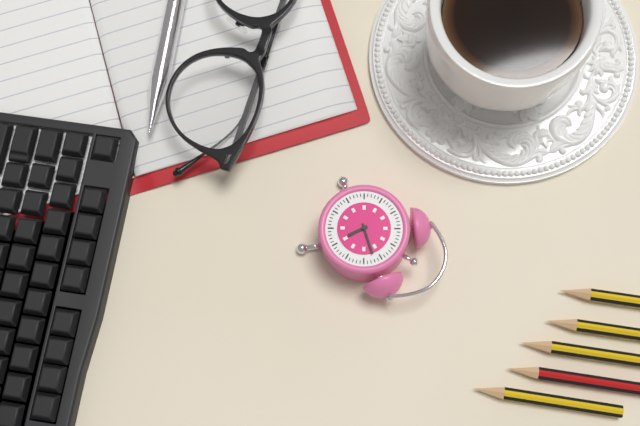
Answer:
4:07
